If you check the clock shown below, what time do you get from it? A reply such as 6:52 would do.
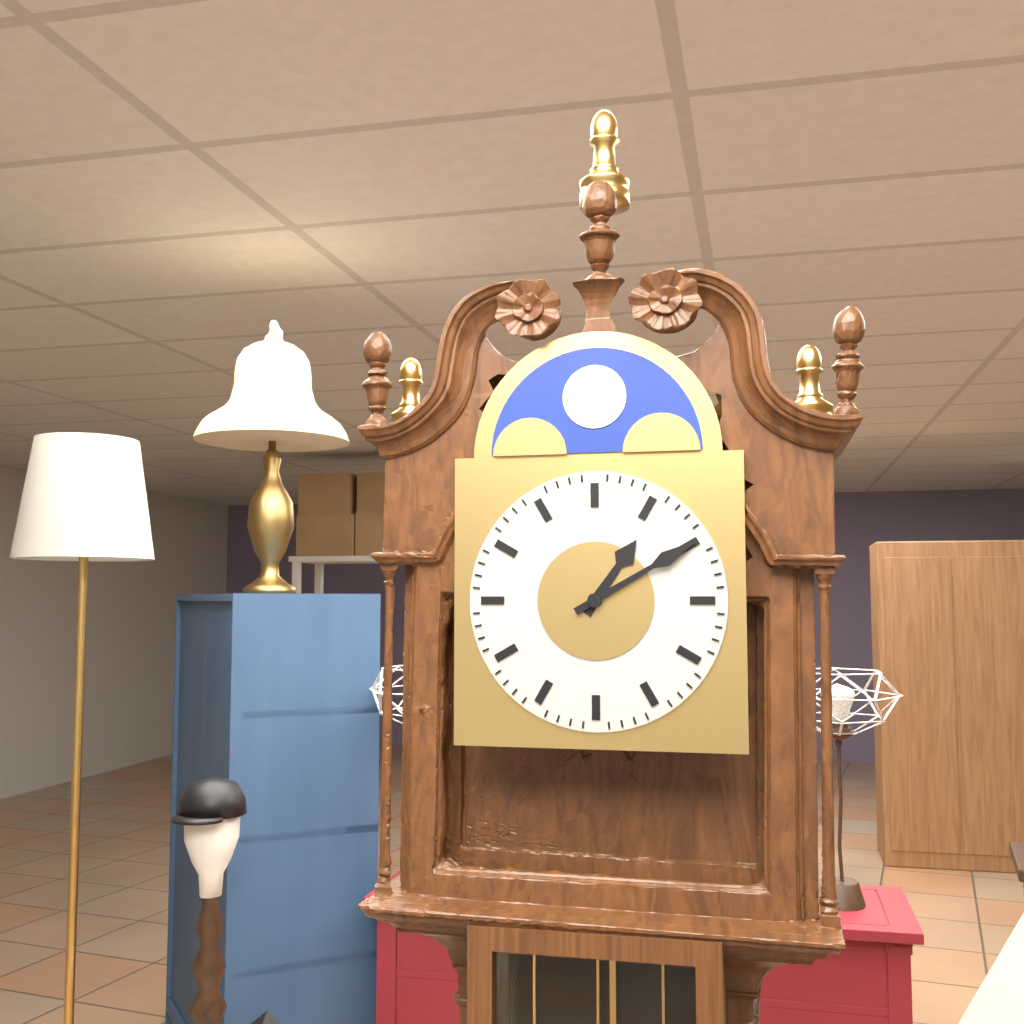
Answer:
1:10
